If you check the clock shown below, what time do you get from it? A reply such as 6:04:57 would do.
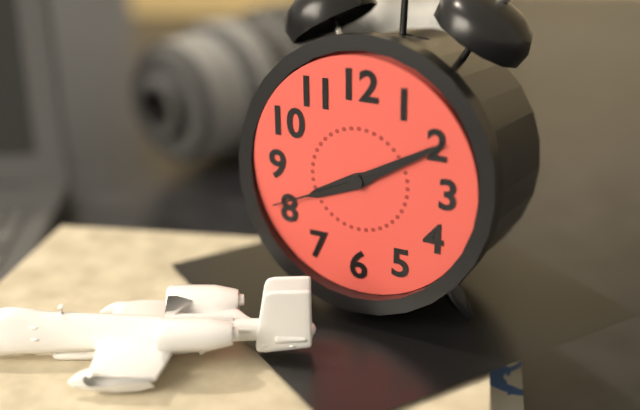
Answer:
8:10:41
